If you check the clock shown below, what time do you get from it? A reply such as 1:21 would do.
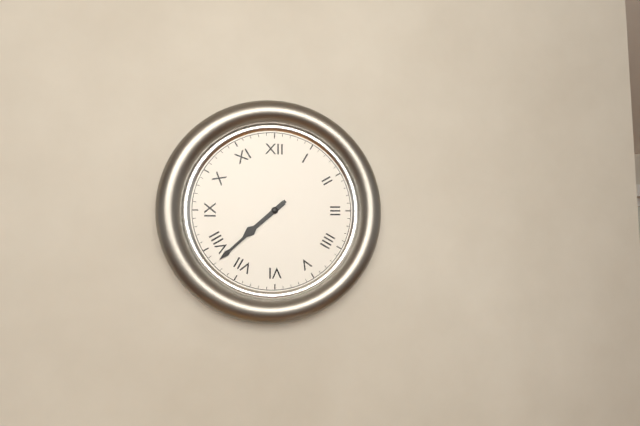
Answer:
7:38
